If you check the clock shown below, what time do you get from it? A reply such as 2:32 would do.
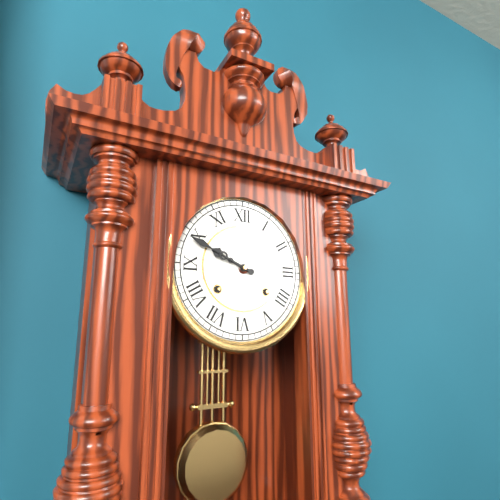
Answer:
9:49
